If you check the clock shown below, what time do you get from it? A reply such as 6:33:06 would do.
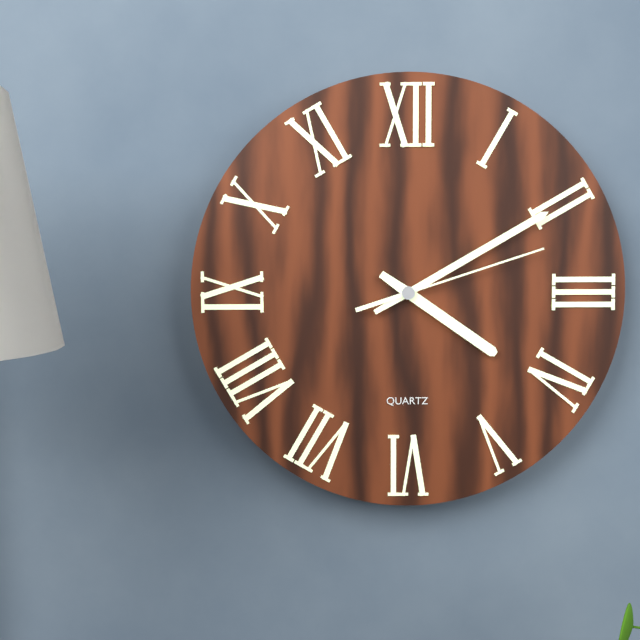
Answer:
4:10:12
